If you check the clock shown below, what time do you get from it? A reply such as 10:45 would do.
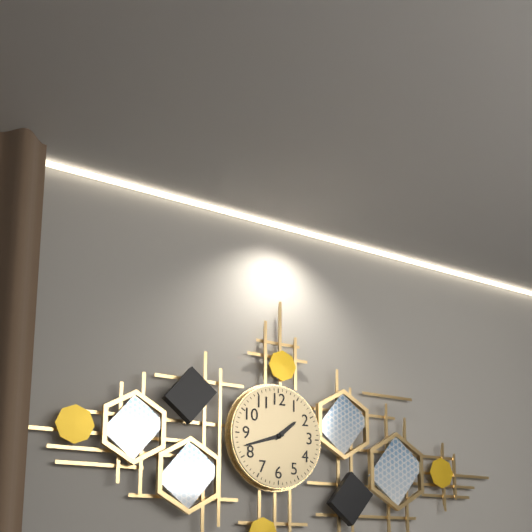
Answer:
1:42
